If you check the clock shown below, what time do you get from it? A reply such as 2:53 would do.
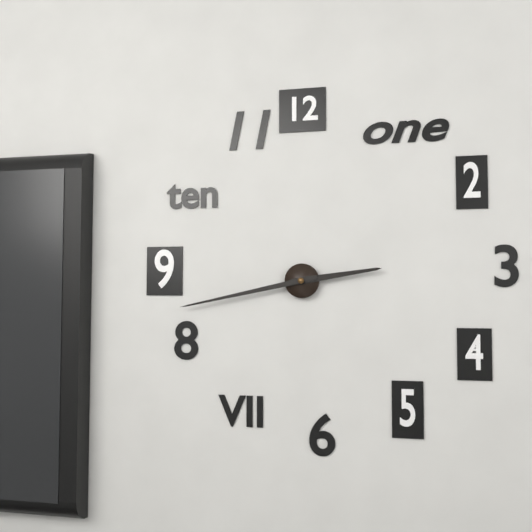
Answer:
2:43
